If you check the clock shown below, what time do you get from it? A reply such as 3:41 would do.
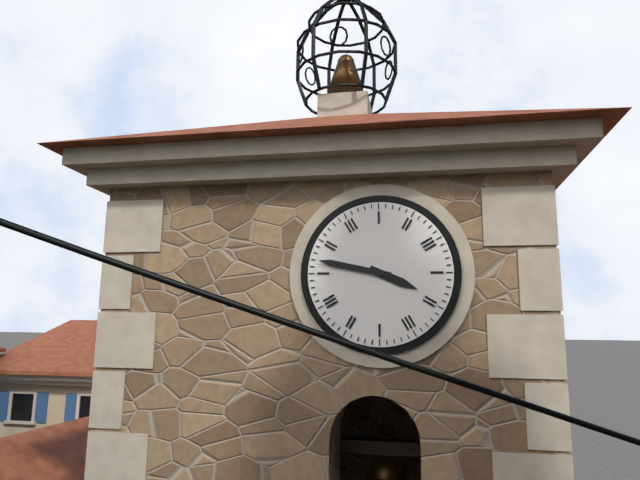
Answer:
3:47
